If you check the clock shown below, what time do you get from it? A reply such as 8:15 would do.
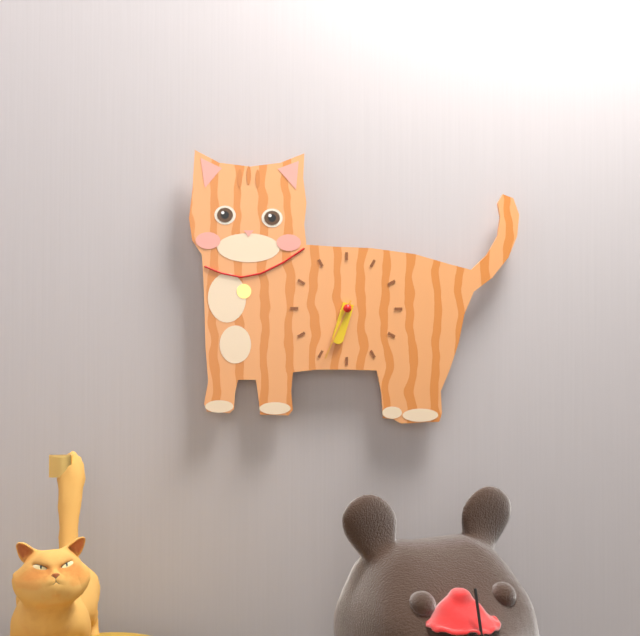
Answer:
6:34
